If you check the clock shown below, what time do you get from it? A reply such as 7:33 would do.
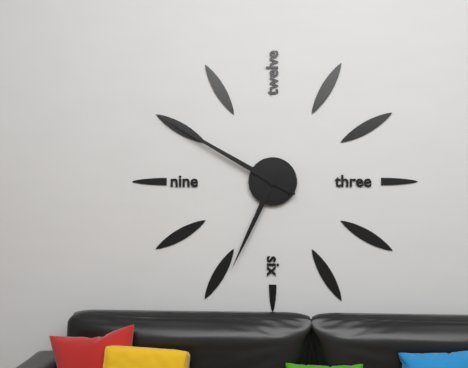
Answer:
6:50
